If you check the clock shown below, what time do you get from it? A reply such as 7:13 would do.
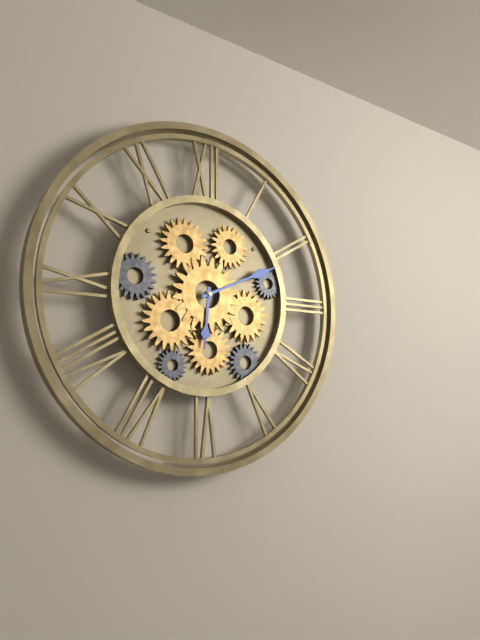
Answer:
6:11
